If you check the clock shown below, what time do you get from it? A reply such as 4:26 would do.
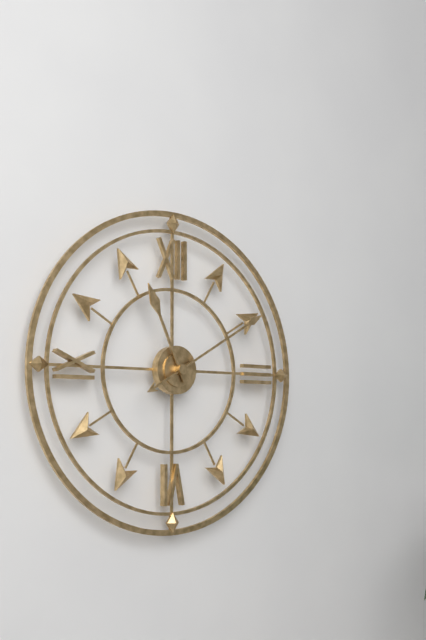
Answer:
11:10
